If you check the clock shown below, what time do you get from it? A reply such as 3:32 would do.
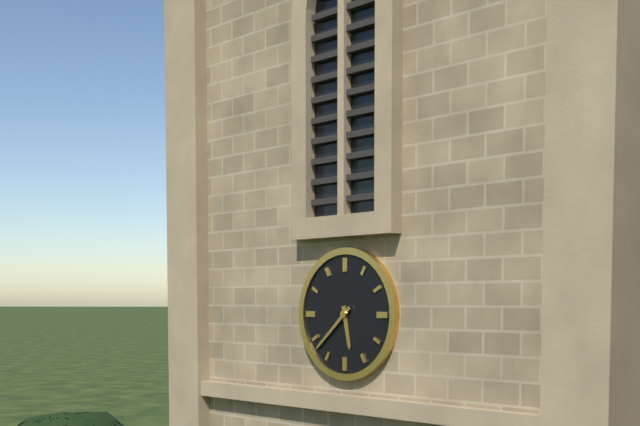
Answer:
5:38
